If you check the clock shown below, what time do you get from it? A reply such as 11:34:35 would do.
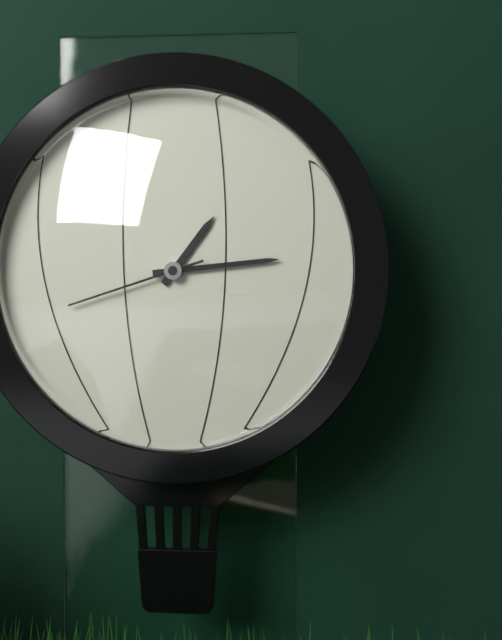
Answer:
1:14:42
